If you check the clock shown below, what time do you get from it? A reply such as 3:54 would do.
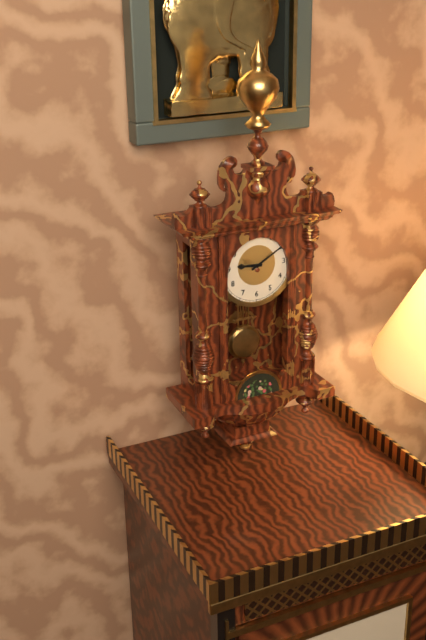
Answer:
9:10
